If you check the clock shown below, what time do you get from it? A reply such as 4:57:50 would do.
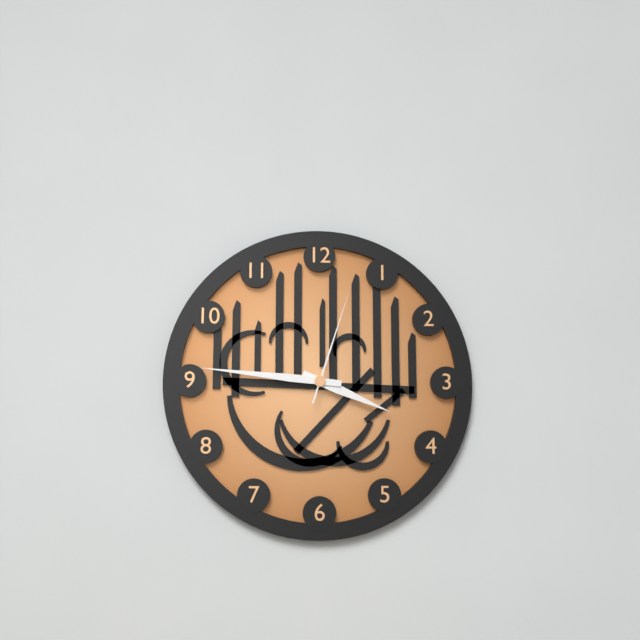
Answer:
3:46:03
